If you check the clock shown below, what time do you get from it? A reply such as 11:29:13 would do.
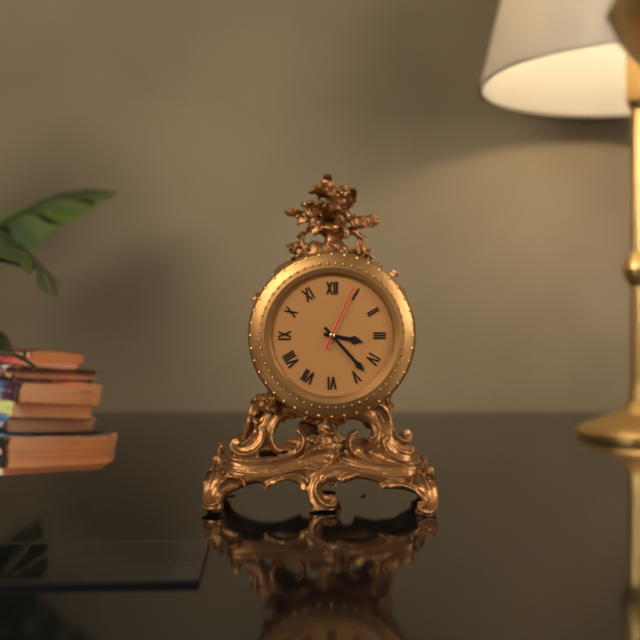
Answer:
3:23:04
